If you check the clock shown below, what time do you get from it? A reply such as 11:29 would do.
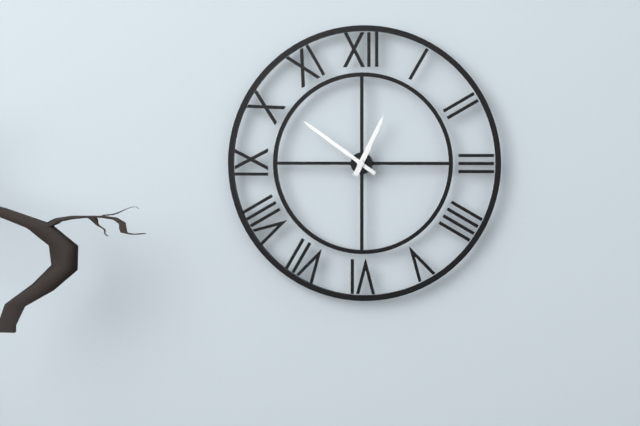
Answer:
12:51
